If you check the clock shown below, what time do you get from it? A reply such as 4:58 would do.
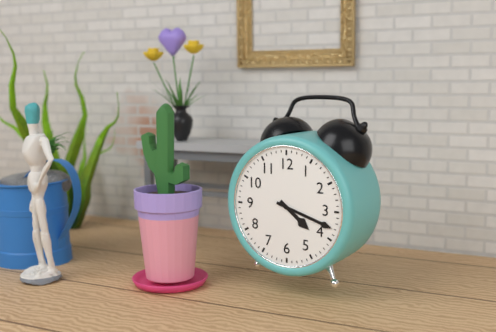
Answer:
4:18
